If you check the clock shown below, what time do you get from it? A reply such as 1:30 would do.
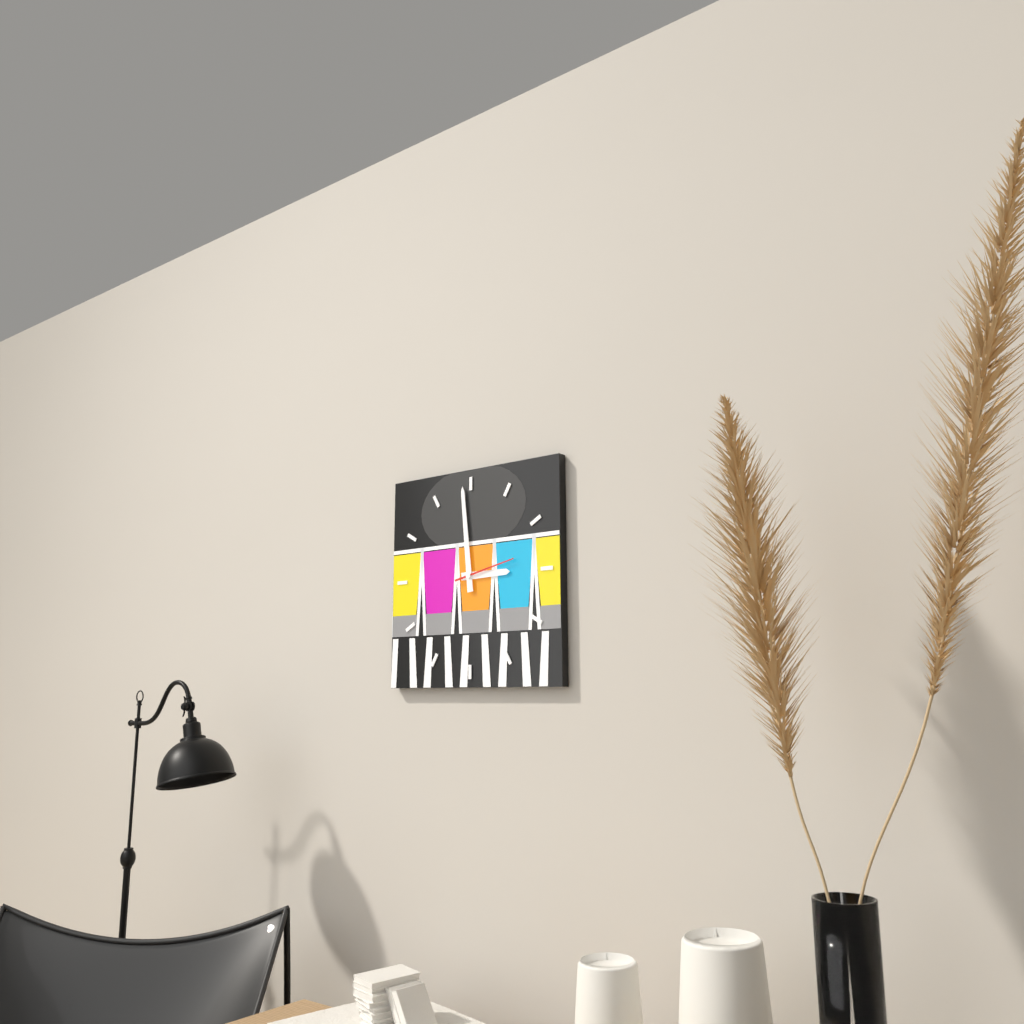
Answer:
2:59
